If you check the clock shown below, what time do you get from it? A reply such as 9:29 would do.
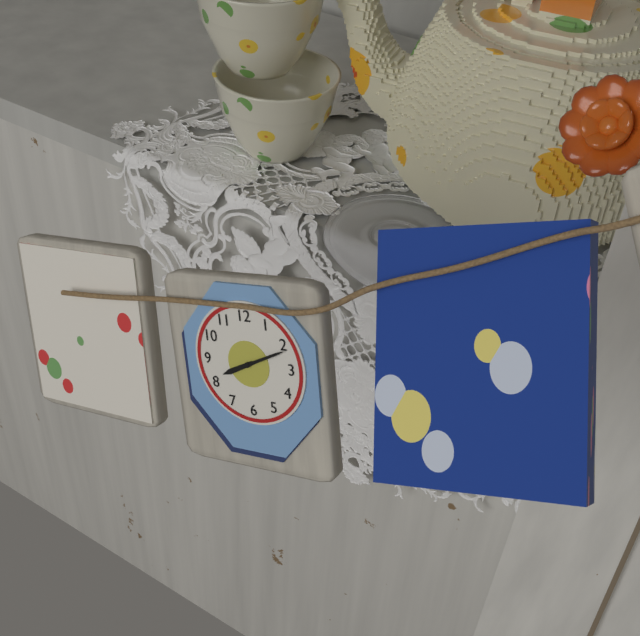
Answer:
8:11
